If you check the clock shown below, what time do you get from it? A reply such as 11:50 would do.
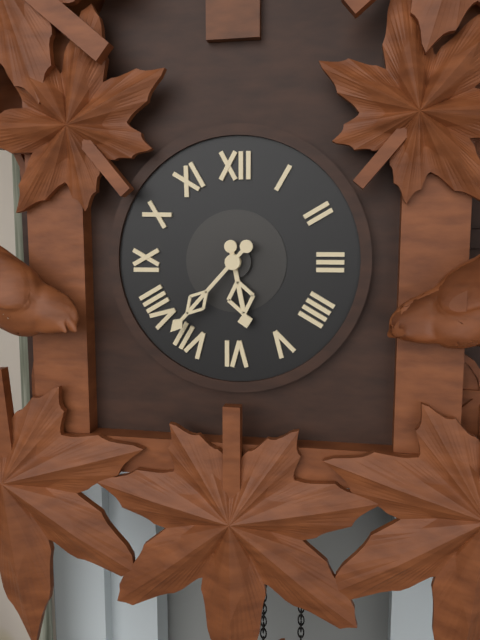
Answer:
5:37
